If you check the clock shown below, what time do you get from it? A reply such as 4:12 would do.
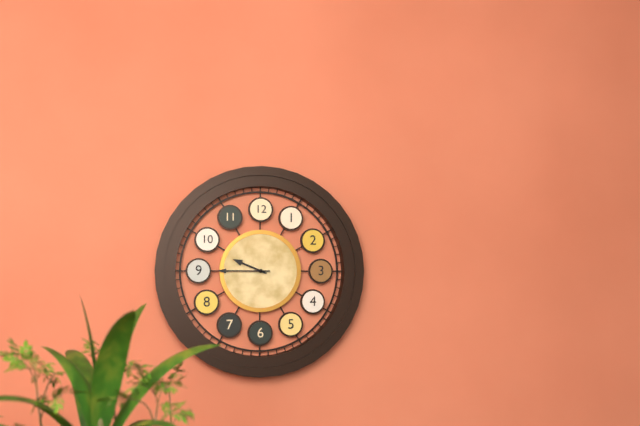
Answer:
9:45
